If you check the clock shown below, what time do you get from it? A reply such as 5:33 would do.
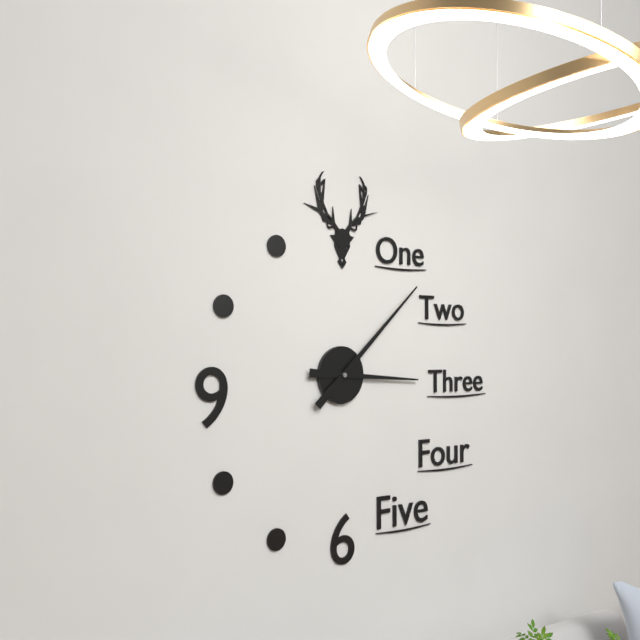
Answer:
3:08
